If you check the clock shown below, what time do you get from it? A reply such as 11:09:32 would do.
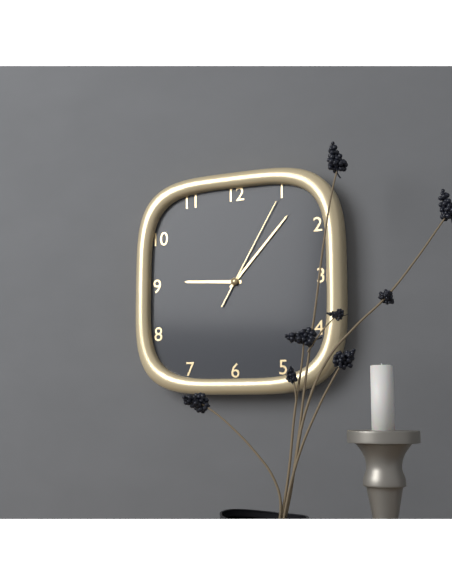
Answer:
9:07:05
